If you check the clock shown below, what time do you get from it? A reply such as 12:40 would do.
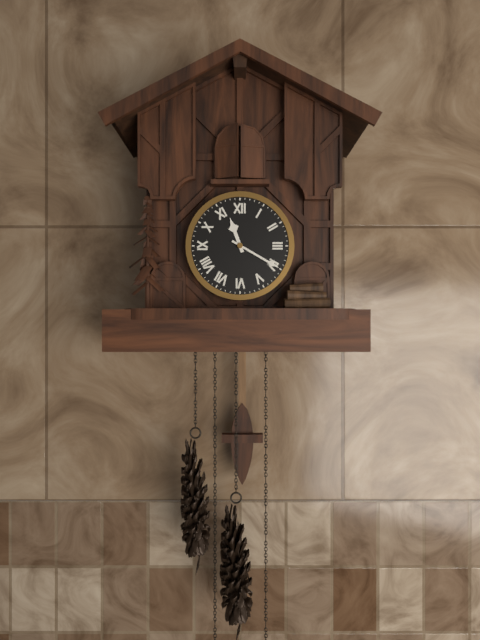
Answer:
11:20
